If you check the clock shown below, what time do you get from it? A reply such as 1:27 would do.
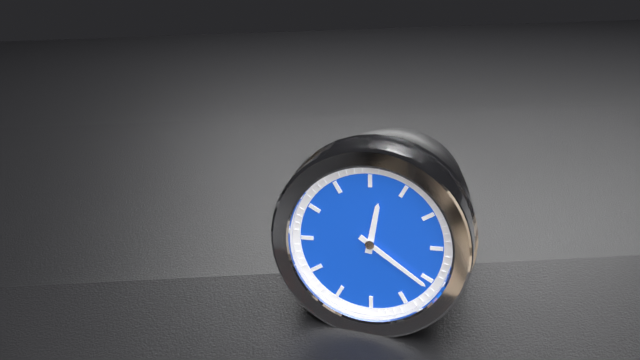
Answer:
12:21
